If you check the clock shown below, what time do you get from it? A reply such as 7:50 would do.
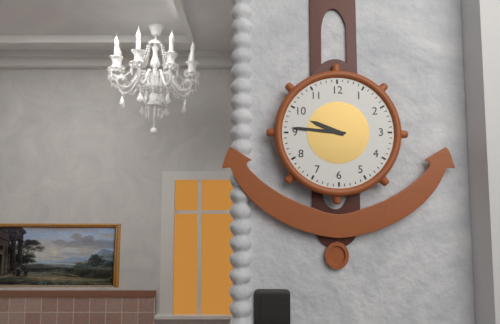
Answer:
9:46
